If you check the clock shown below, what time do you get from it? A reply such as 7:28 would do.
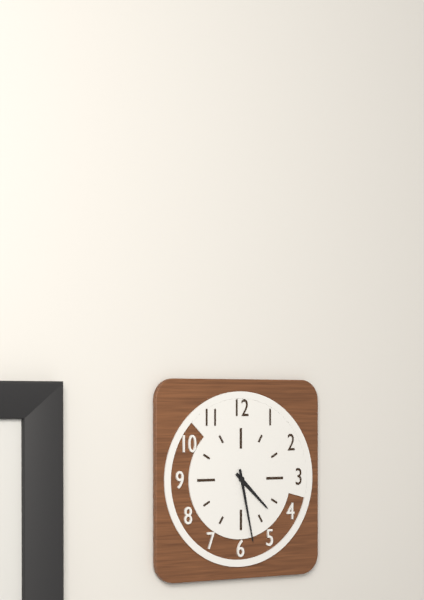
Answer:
4:28
